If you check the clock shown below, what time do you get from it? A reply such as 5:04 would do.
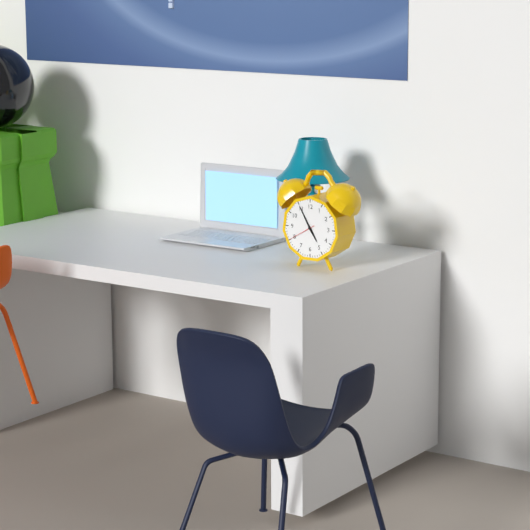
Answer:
4:55
